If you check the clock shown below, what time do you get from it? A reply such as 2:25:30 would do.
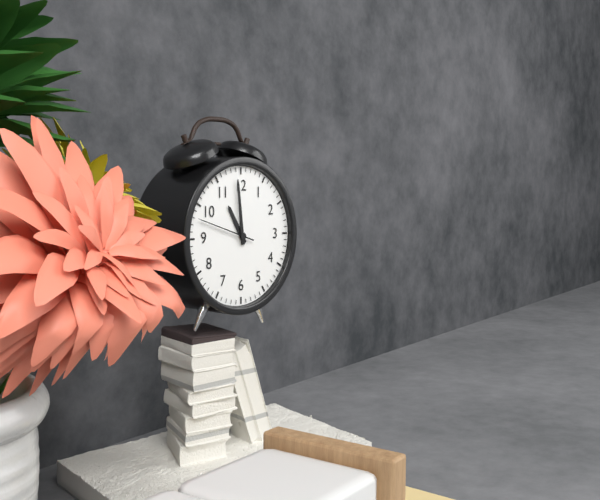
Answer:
10:59:48
